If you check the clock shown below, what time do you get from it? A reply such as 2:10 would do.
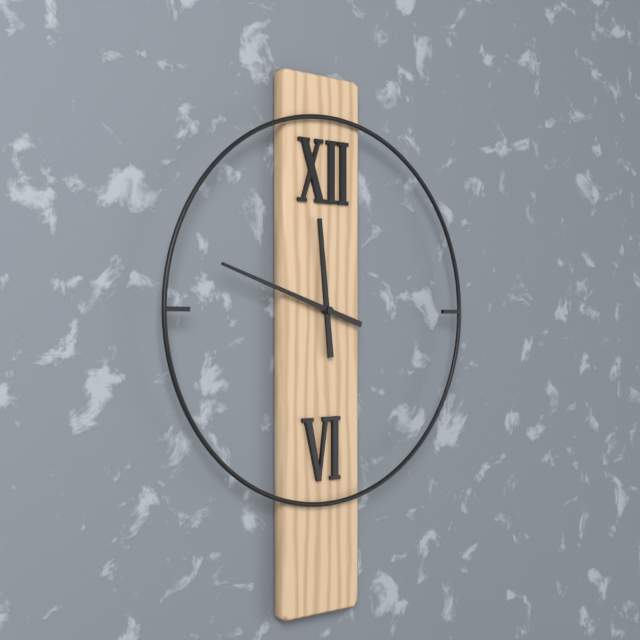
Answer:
11:48
